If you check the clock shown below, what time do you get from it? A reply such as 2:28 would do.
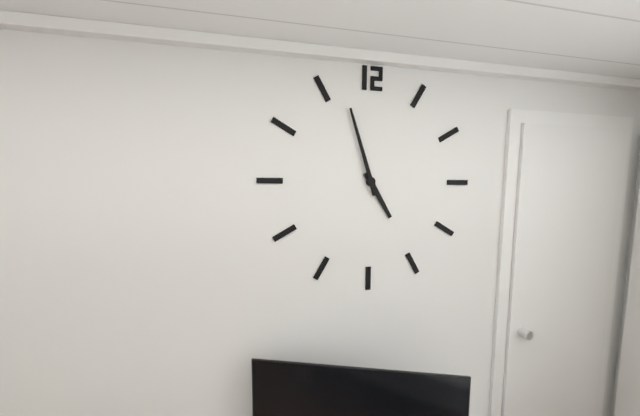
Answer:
4:57
